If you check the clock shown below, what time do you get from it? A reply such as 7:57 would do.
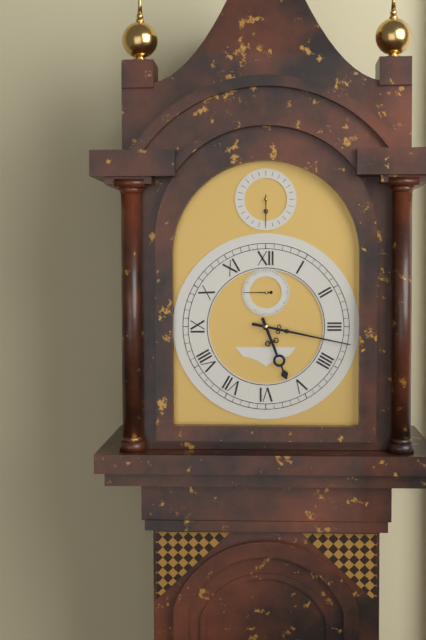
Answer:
5:17
